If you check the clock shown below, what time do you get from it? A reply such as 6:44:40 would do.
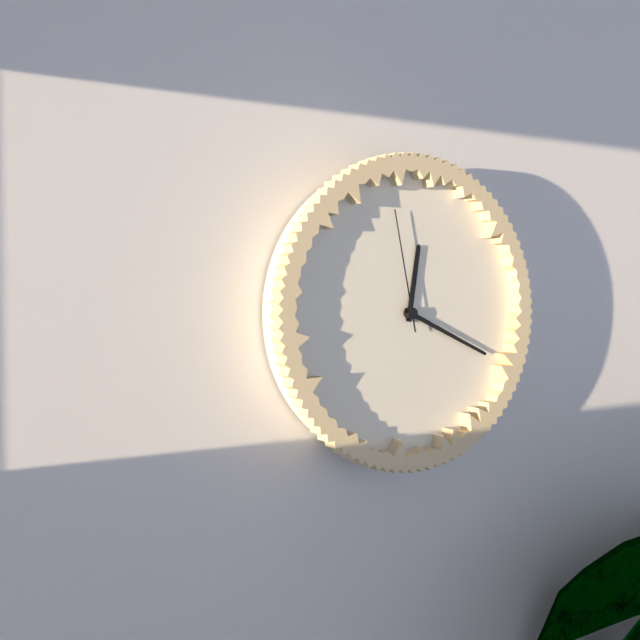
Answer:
12:19:58
